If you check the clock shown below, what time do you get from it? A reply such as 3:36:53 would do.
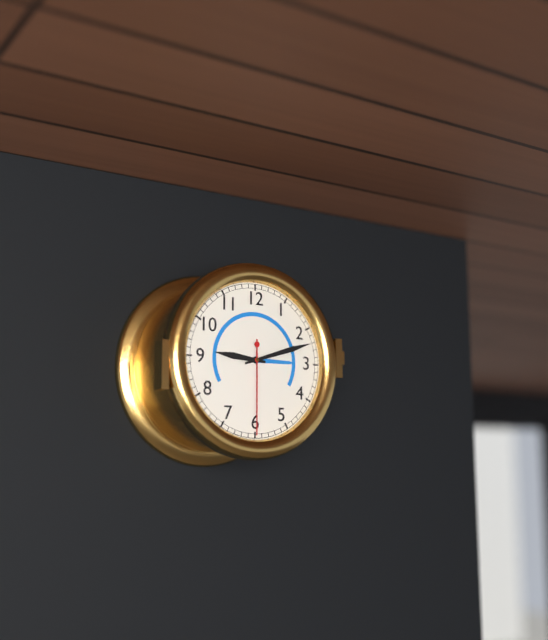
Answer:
9:12:30
